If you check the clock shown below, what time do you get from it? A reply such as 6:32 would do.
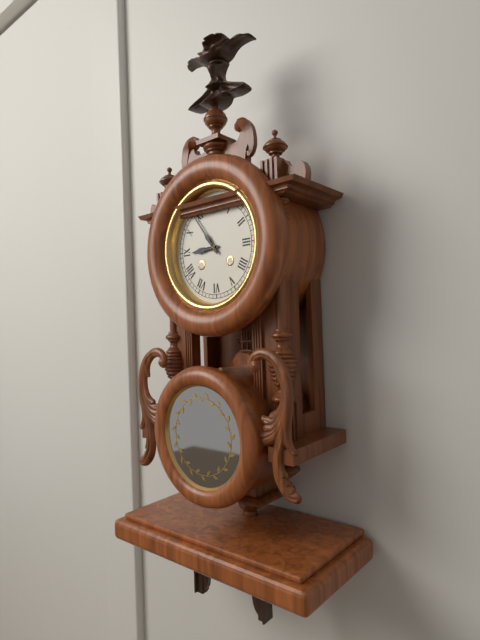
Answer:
8:54
